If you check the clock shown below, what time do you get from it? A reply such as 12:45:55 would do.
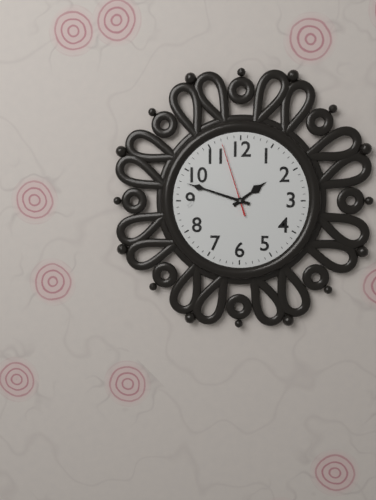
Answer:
1:48:57
